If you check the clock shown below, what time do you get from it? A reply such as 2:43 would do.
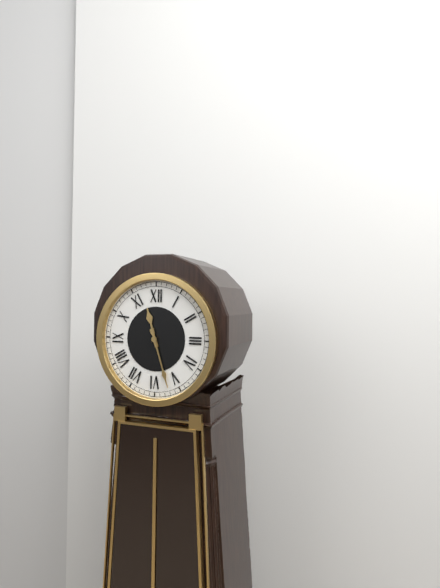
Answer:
11:27
